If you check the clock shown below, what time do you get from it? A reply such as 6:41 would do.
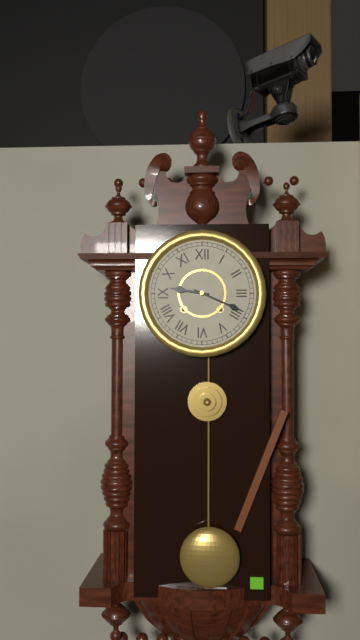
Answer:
9:19
